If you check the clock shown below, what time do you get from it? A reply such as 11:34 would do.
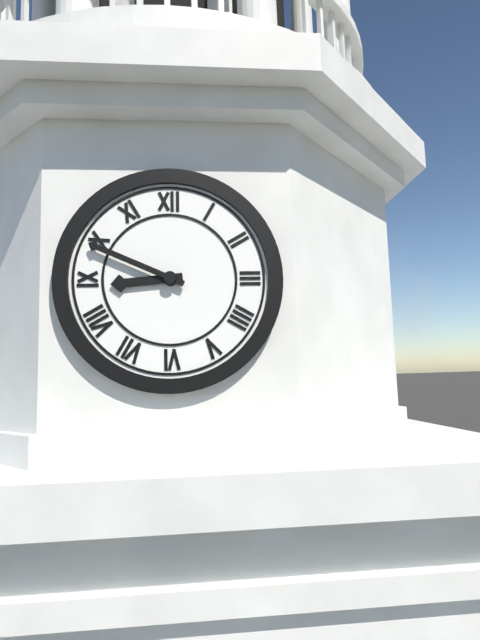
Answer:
8:49
